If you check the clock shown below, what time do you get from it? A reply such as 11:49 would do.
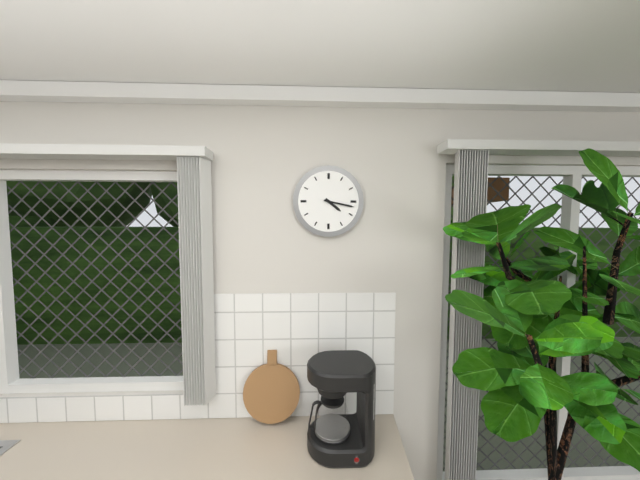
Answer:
4:17
